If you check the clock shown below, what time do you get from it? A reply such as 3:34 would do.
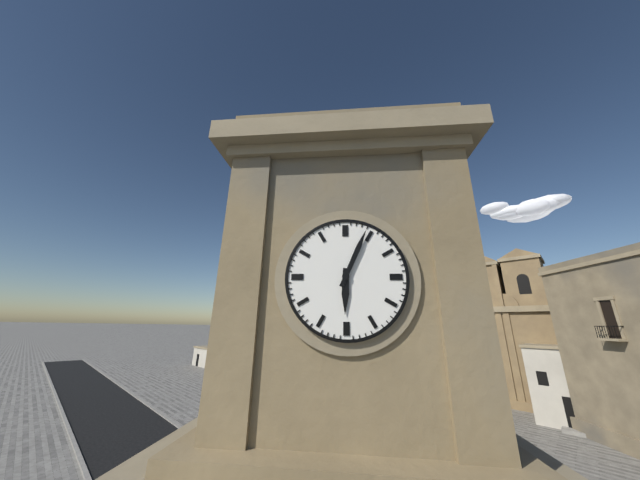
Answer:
6:04
